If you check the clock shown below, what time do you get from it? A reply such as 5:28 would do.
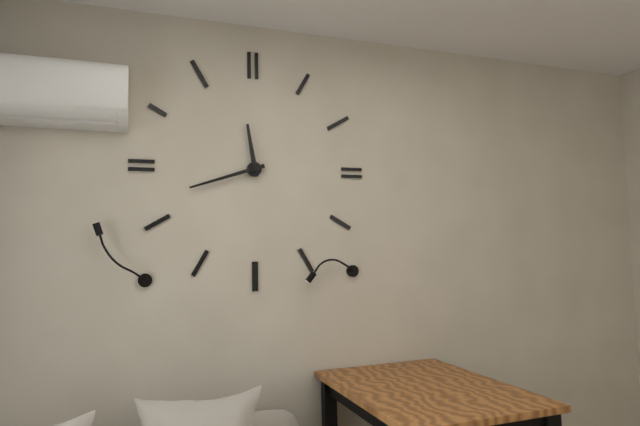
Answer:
11:42
